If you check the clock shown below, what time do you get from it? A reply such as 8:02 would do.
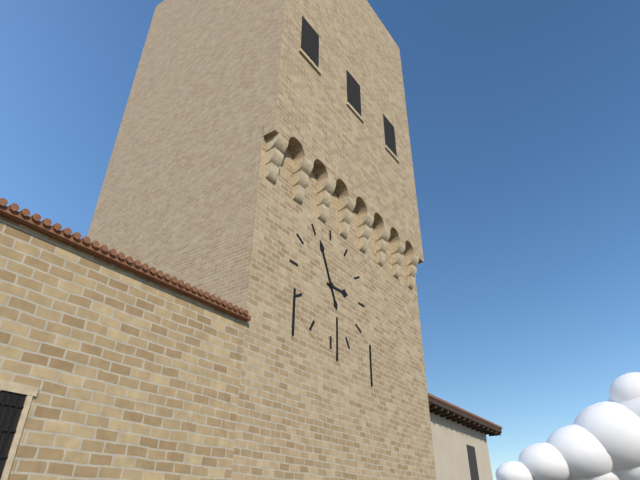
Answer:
2:56
